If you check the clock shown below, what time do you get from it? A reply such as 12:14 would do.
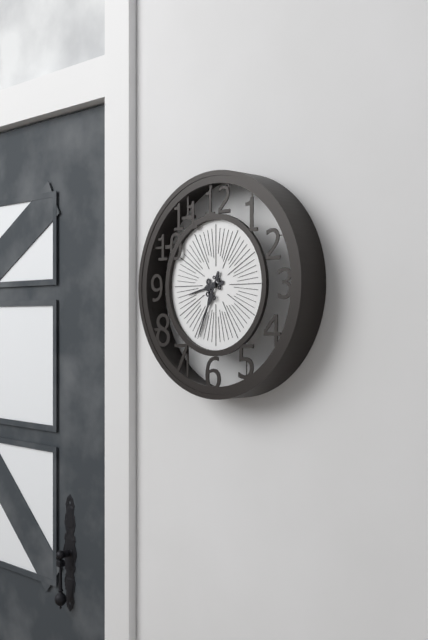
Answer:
8:34
